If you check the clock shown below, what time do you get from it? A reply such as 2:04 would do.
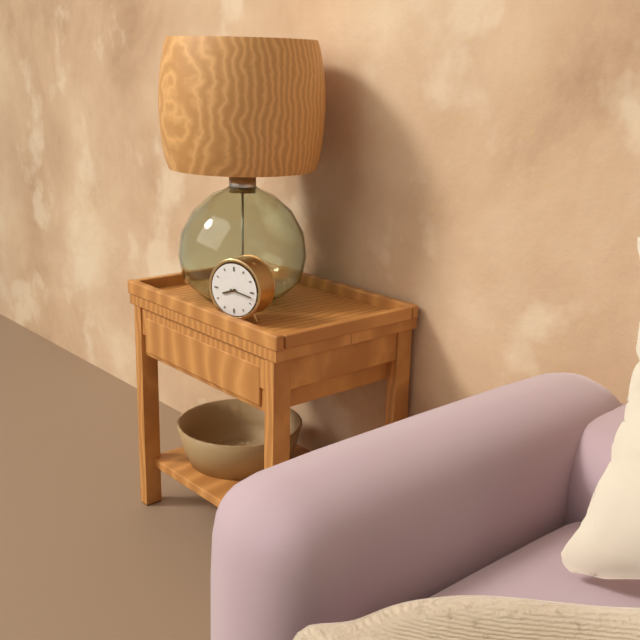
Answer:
8:17
